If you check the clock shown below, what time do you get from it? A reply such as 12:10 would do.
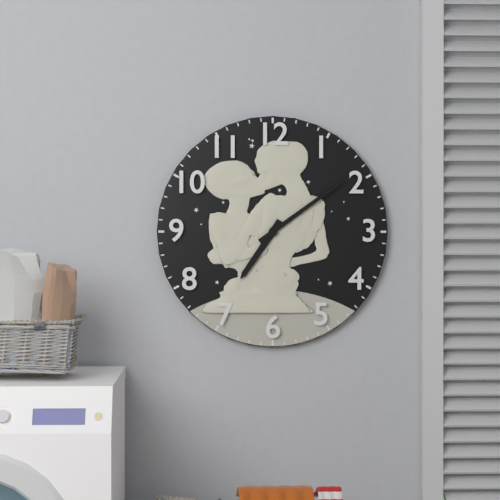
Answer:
7:09
